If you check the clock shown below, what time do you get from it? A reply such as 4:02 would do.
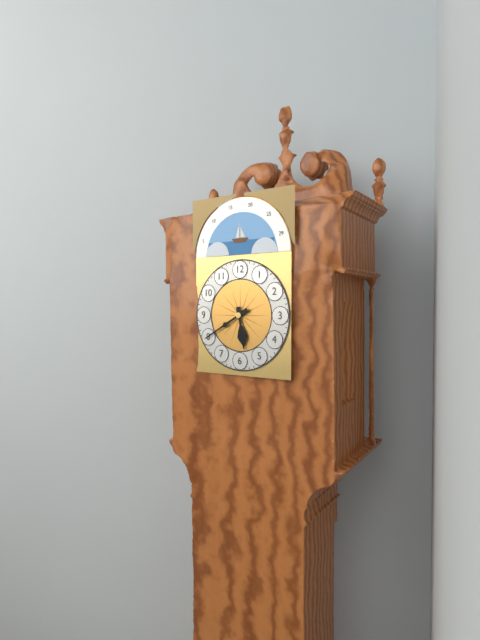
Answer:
5:40
